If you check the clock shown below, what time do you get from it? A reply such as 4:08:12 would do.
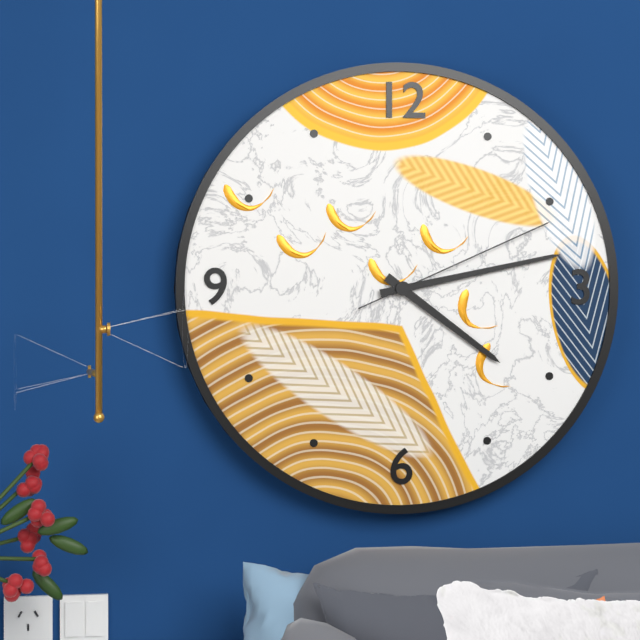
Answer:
4:13:11
